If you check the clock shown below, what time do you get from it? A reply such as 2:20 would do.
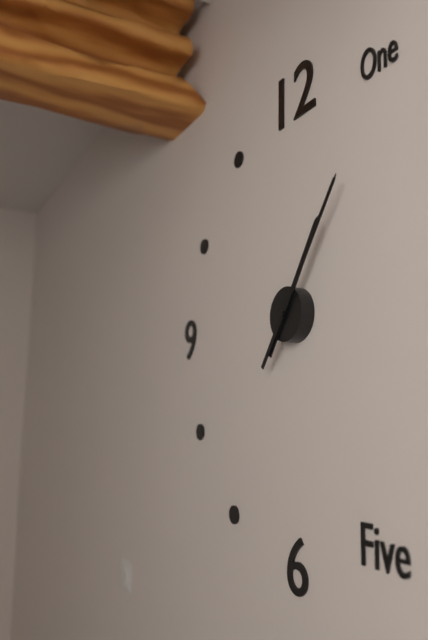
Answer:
1:06
